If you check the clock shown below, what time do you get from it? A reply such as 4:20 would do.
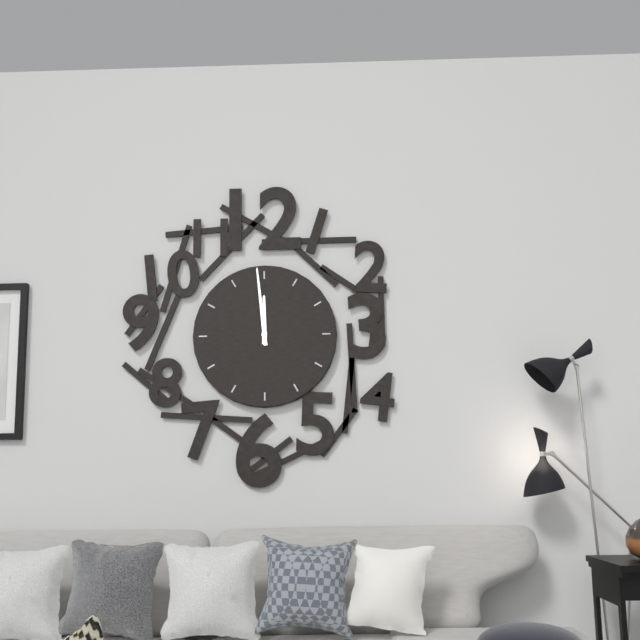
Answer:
11:59
